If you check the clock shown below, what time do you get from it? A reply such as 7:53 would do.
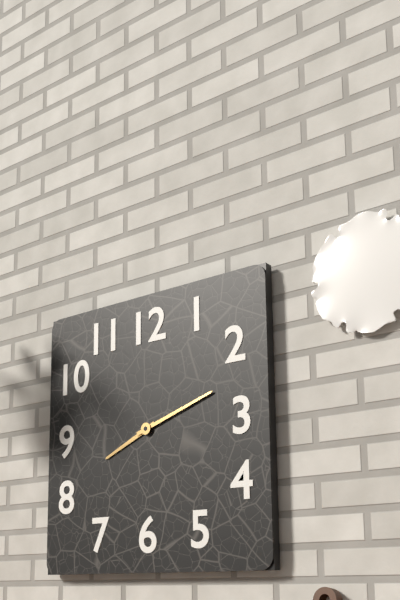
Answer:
8:12
